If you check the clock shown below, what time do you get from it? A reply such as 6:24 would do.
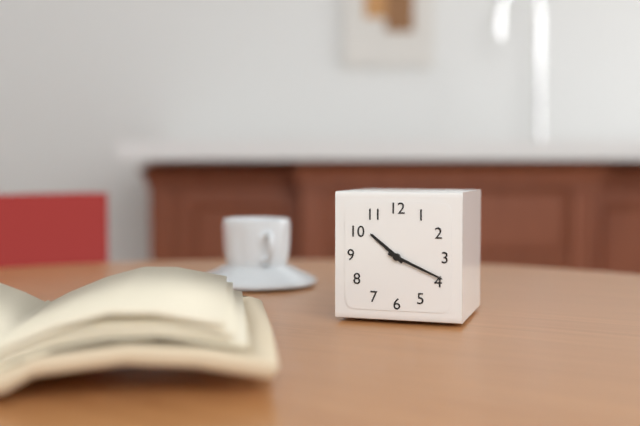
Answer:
10:19
